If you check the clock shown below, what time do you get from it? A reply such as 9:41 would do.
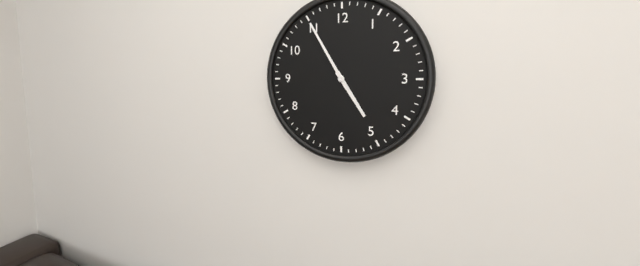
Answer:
4:55
